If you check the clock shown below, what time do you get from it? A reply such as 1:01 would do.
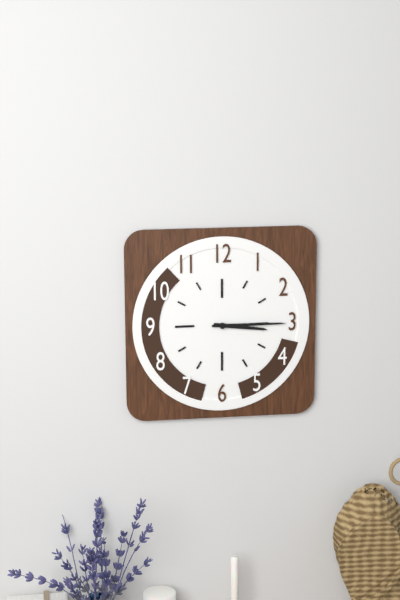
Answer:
3:15
